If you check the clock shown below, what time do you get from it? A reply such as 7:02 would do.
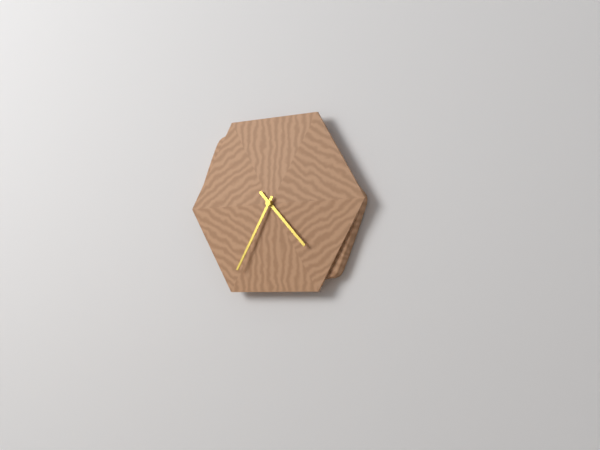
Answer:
4:35
